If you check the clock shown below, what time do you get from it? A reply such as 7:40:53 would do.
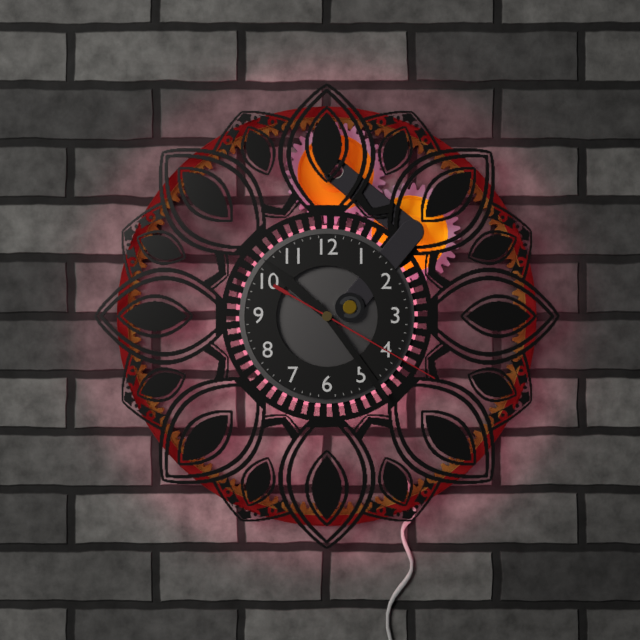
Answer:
10:24:20
